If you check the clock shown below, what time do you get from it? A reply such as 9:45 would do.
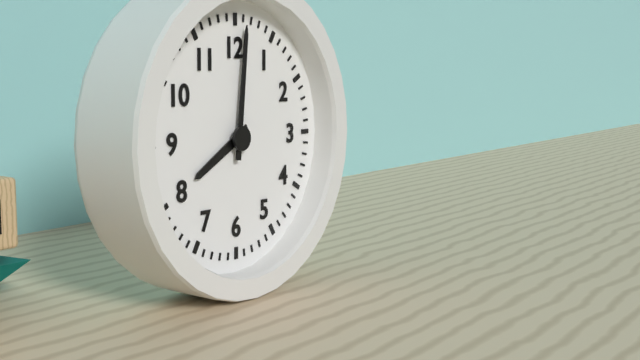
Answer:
8:01
